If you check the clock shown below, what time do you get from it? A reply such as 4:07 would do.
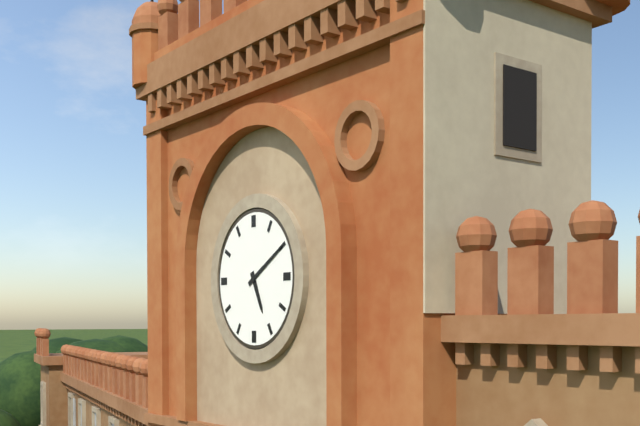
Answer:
5:10
